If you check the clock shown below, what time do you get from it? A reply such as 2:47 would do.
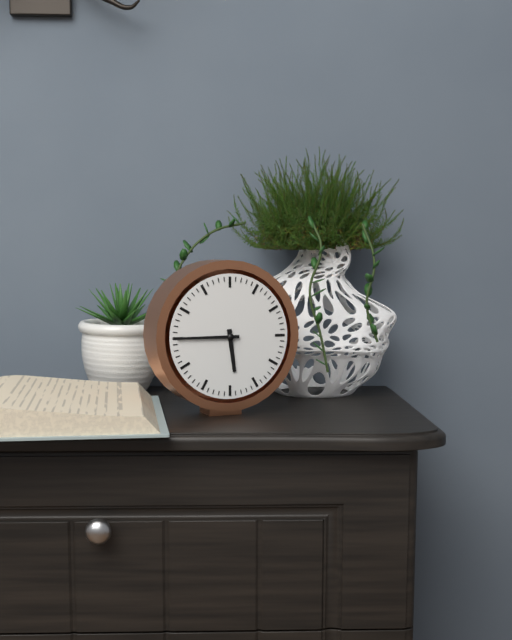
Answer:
5:45
